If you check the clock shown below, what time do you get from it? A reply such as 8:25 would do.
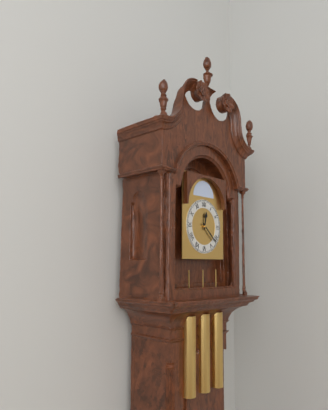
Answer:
12:22
